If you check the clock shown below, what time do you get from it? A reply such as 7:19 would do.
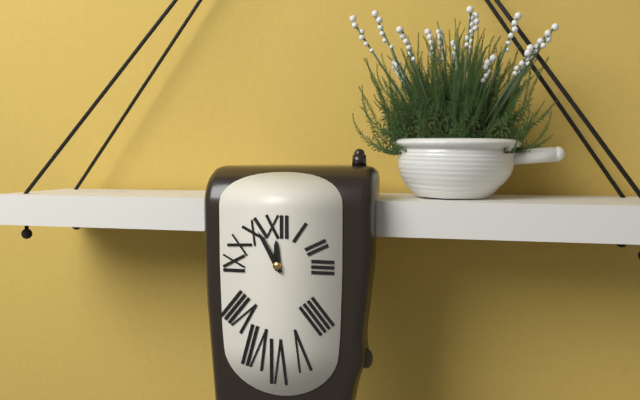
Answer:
11:55
